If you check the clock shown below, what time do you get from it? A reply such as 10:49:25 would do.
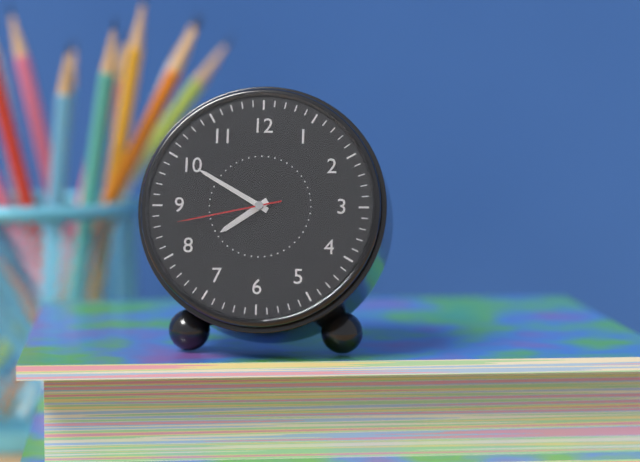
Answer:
7:50:43
